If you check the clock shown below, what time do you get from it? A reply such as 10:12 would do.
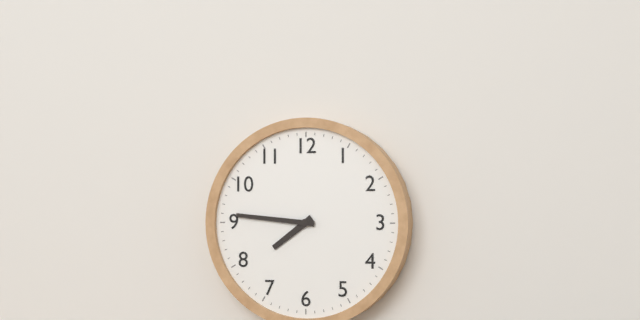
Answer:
7:46
